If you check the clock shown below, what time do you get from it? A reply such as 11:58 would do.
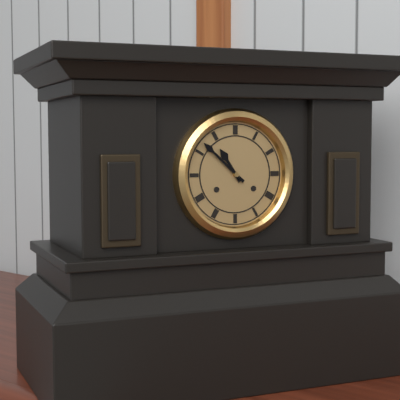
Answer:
10:52
